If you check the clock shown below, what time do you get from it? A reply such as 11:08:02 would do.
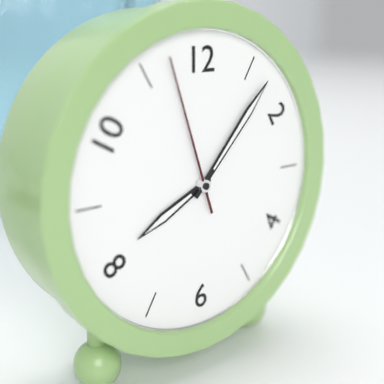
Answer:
8:07:57
